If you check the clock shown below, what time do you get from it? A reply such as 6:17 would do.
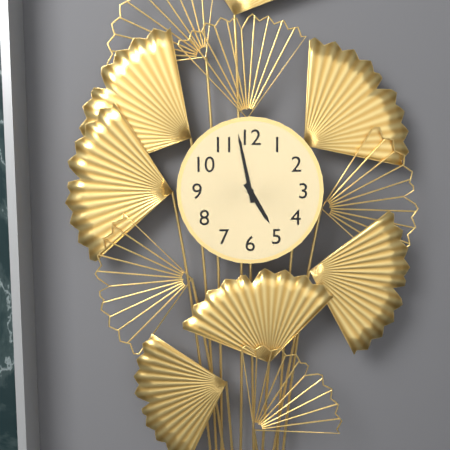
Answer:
4:58
